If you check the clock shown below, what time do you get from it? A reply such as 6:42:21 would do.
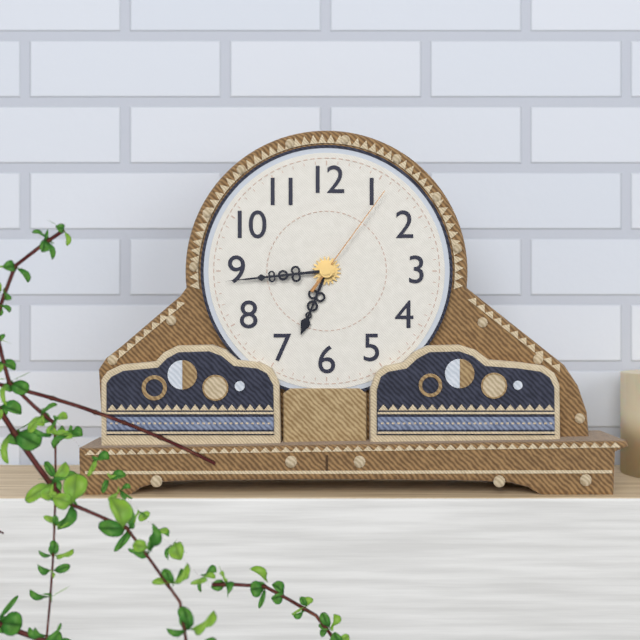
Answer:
6:44:06
